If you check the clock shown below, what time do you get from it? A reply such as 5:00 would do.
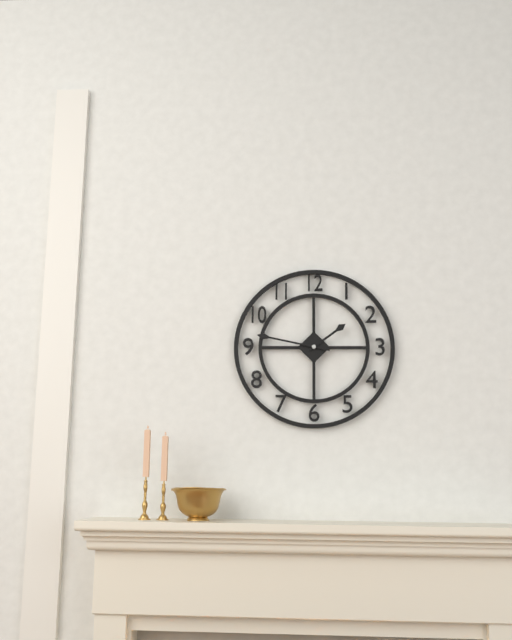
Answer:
1:47
